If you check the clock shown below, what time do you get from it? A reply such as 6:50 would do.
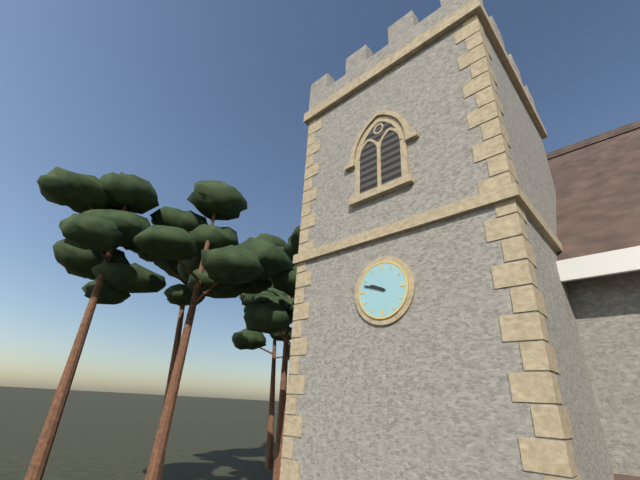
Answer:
9:48
